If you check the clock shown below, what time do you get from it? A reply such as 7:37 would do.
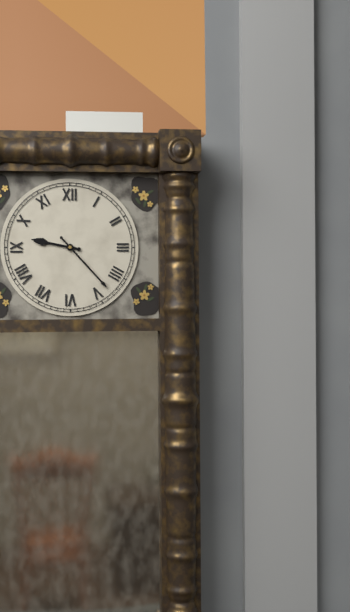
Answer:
9:23
